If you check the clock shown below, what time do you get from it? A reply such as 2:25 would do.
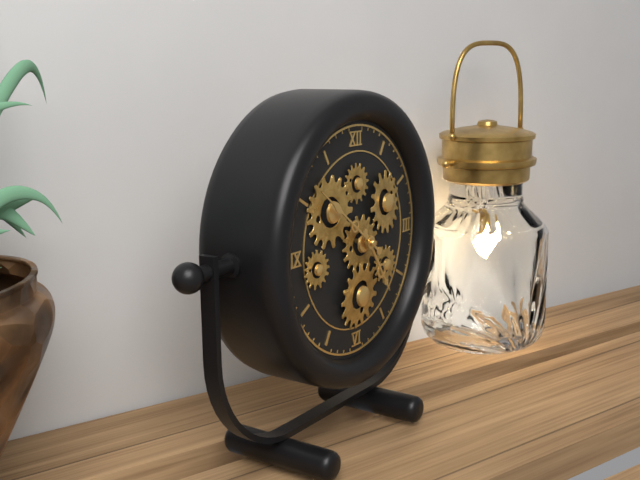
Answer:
4:51
